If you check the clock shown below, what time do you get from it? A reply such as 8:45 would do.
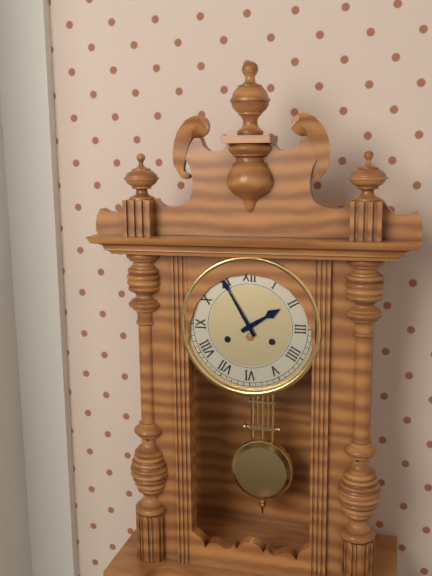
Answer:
1:55
